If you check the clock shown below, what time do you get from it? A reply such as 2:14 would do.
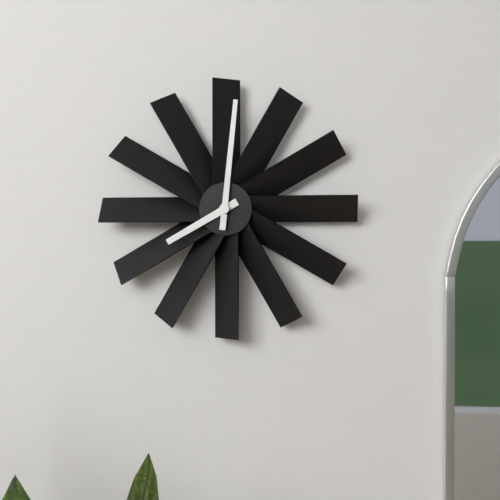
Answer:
8:01
